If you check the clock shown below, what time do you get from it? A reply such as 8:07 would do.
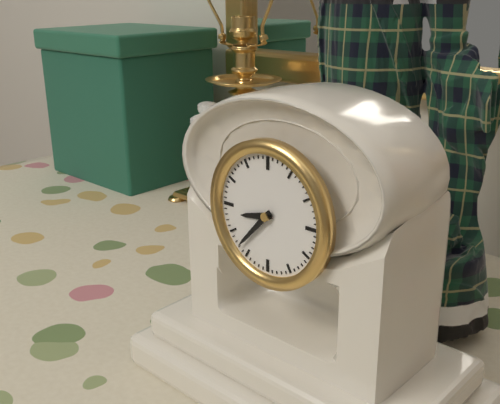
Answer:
8:37
